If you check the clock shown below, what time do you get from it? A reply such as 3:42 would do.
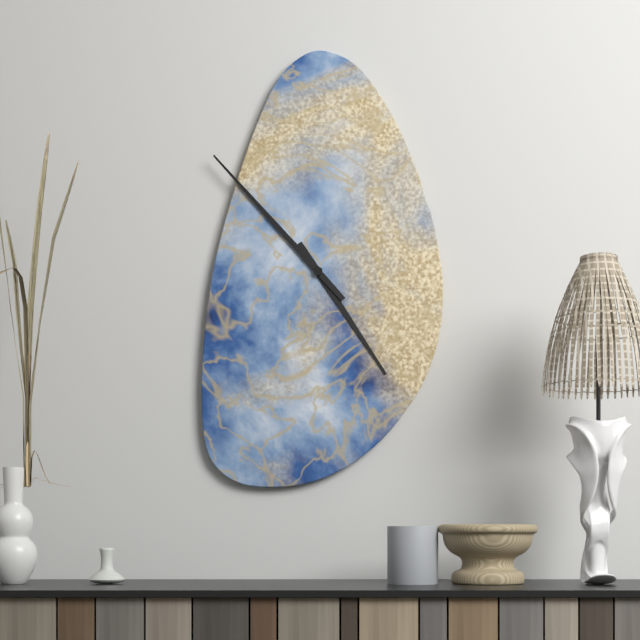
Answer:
4:53
